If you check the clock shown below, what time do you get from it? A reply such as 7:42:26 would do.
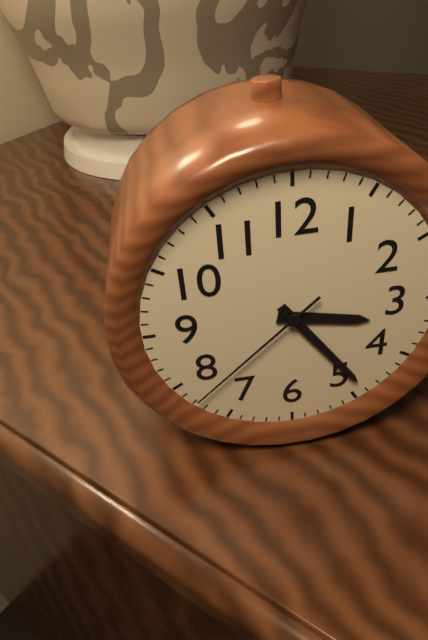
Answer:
3:24:38
